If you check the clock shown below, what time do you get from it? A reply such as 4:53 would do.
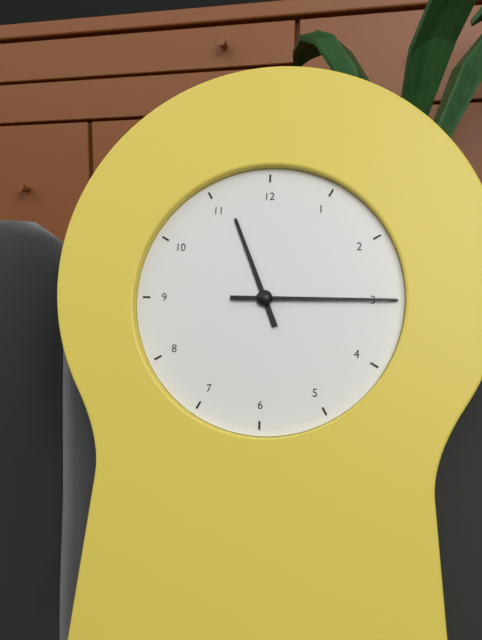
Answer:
11:15
